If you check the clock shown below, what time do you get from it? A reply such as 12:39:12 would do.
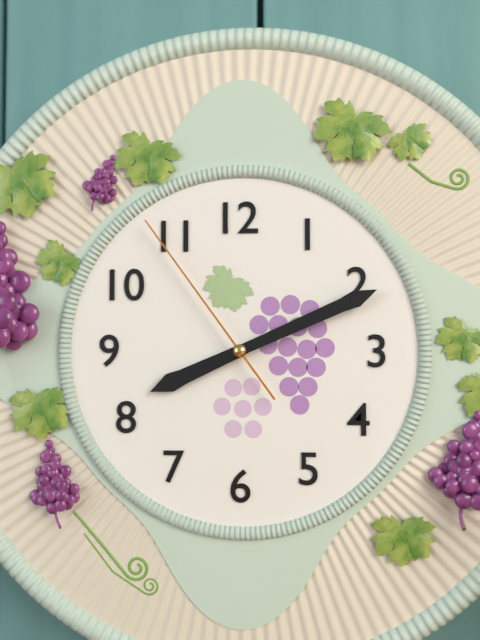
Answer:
8:11:54
